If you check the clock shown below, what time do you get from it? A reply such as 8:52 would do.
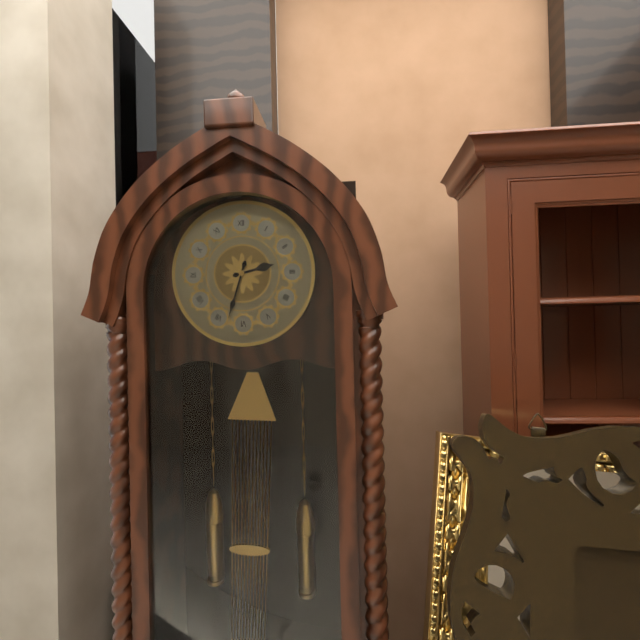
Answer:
2:33
